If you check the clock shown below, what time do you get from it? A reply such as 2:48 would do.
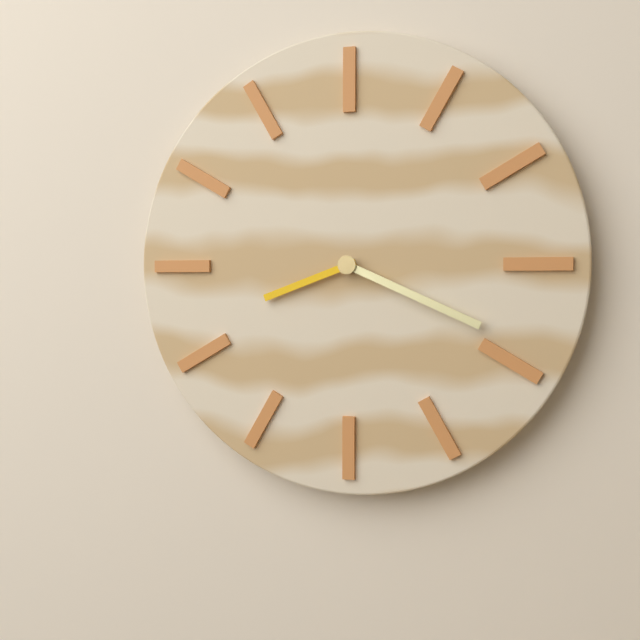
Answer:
8:19
